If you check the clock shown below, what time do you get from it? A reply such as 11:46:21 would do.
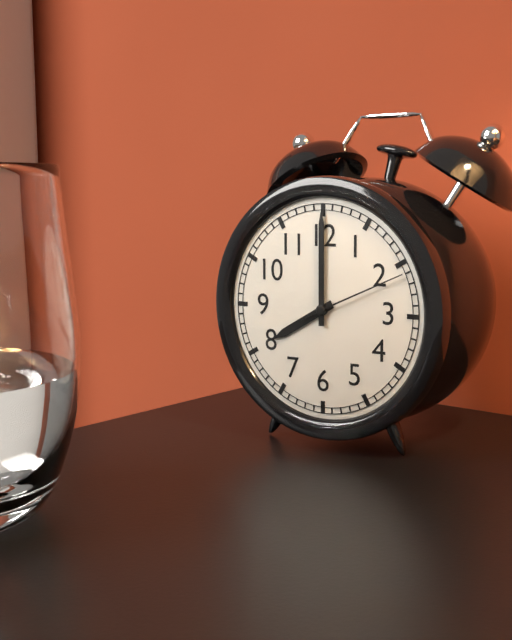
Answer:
8:00:11
